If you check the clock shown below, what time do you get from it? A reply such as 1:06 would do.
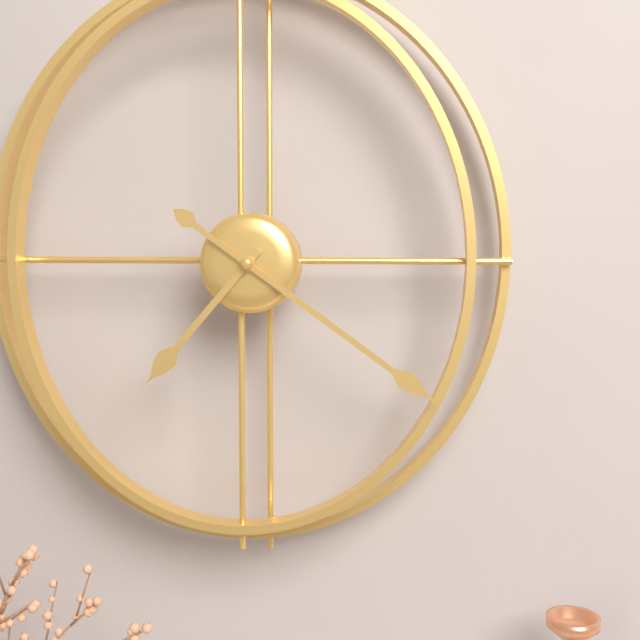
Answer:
7:21
